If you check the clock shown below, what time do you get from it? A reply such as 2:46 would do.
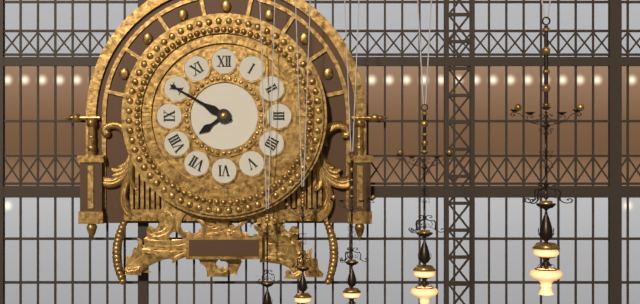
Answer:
7:50
